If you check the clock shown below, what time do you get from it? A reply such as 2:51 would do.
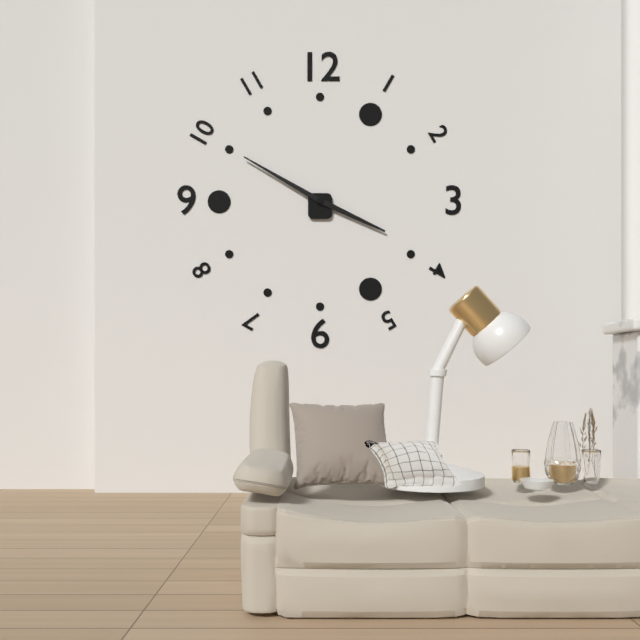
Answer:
3:50
